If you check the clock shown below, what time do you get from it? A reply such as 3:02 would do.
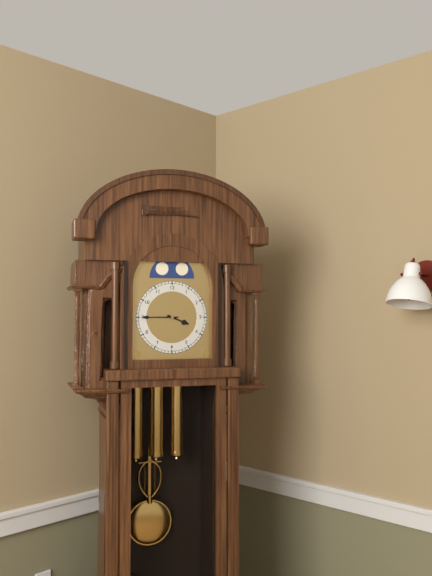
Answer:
3:45
